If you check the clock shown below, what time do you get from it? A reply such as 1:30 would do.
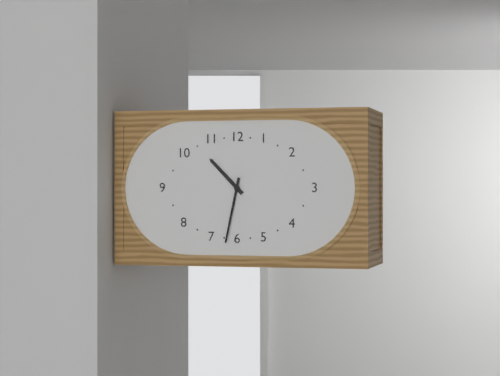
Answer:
10:32
